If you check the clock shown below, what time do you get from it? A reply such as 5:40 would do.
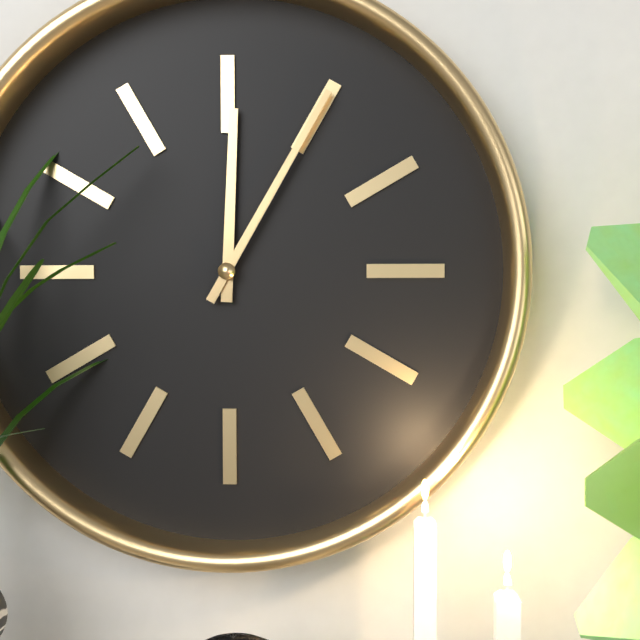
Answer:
12:05
